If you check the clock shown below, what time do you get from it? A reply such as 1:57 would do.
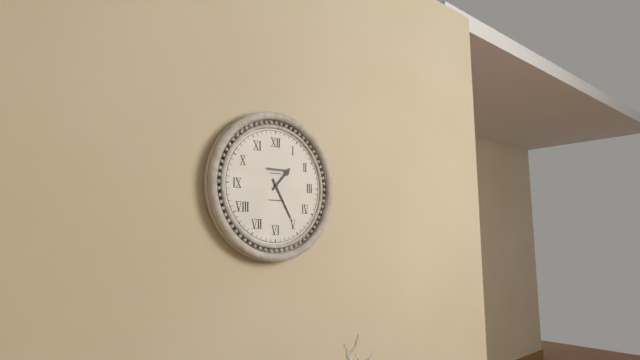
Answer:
1:25
